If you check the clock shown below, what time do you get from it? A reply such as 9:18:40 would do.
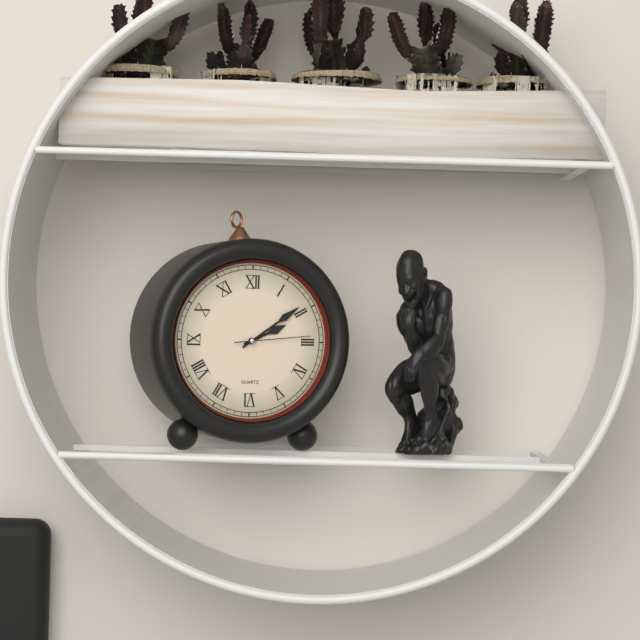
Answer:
2:09:14
